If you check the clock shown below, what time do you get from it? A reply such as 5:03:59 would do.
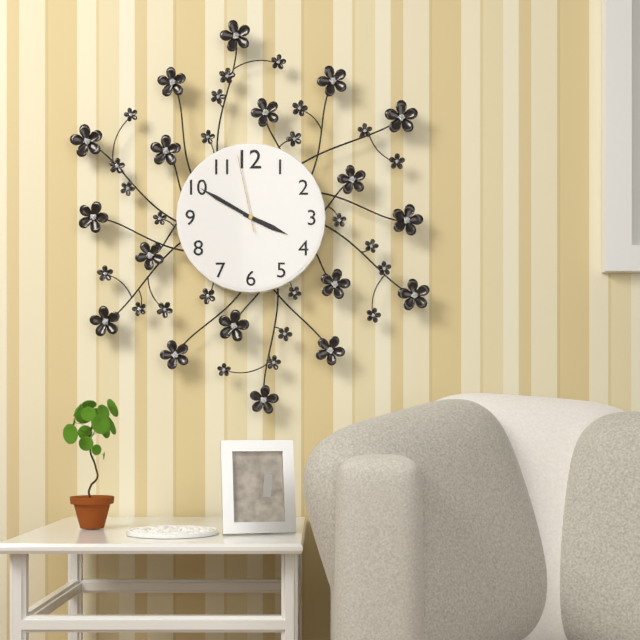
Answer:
3:50:58
